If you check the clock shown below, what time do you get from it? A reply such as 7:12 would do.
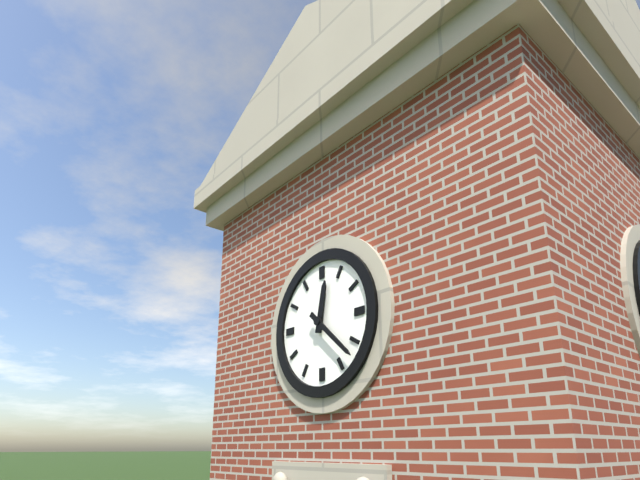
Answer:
12:22
